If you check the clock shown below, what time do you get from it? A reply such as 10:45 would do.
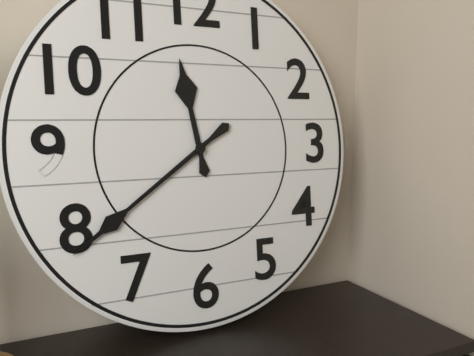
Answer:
11:39
